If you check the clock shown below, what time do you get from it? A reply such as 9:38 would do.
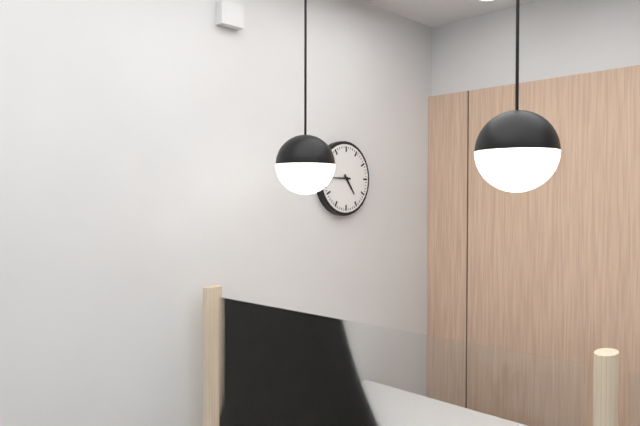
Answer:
4:45
